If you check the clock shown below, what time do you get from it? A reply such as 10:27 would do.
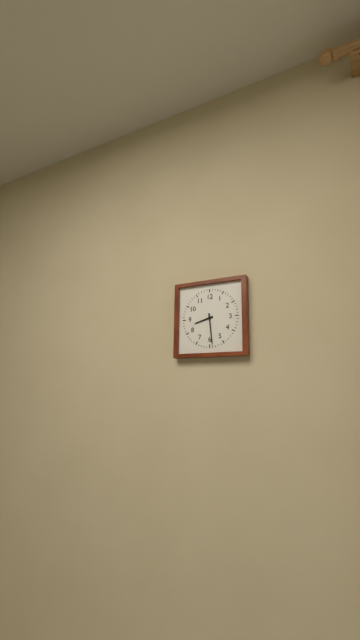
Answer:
8:29
